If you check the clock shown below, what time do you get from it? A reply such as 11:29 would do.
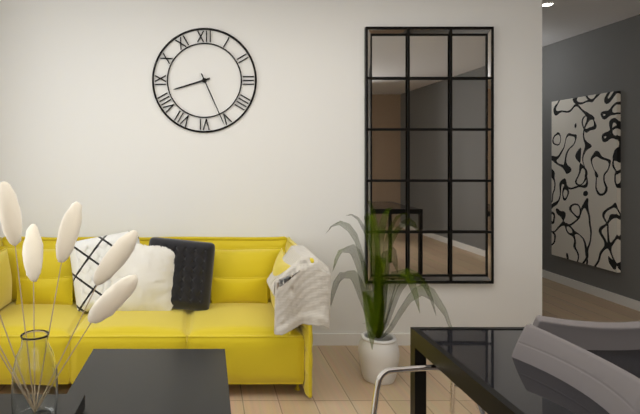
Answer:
8:26
